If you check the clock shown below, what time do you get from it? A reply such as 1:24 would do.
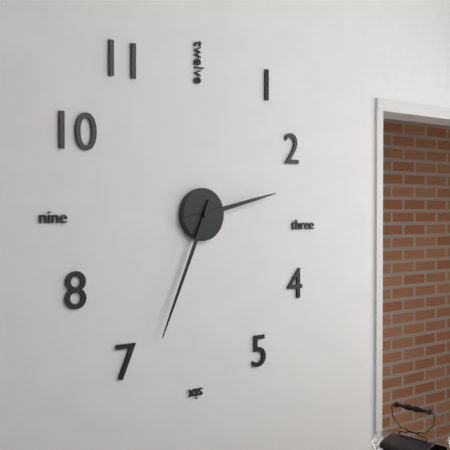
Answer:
2:34
